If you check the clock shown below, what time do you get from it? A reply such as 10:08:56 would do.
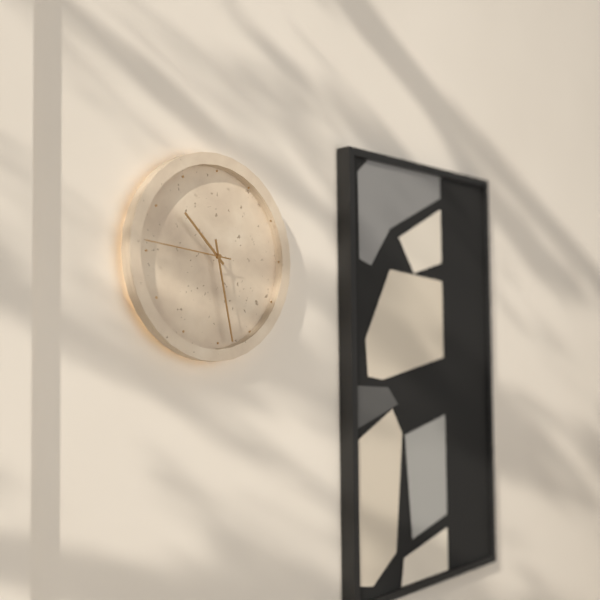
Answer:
10:28:46
